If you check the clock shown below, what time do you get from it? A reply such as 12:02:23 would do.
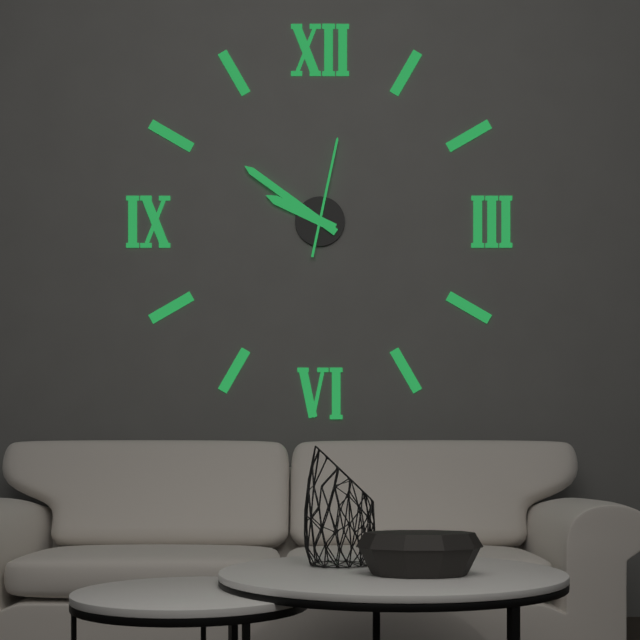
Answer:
9:51:02
